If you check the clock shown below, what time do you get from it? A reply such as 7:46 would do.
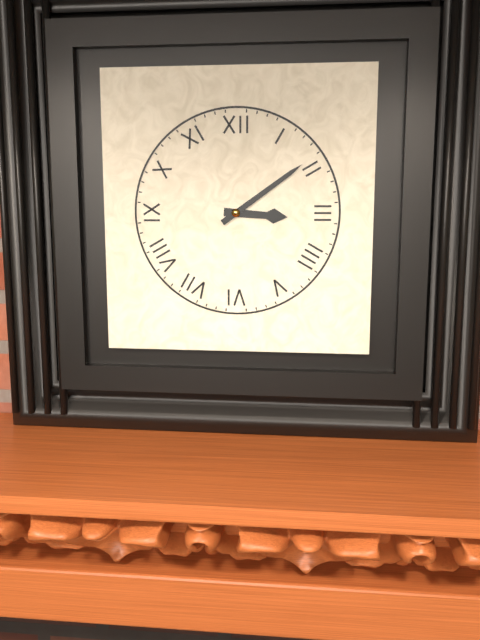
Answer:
3:09
